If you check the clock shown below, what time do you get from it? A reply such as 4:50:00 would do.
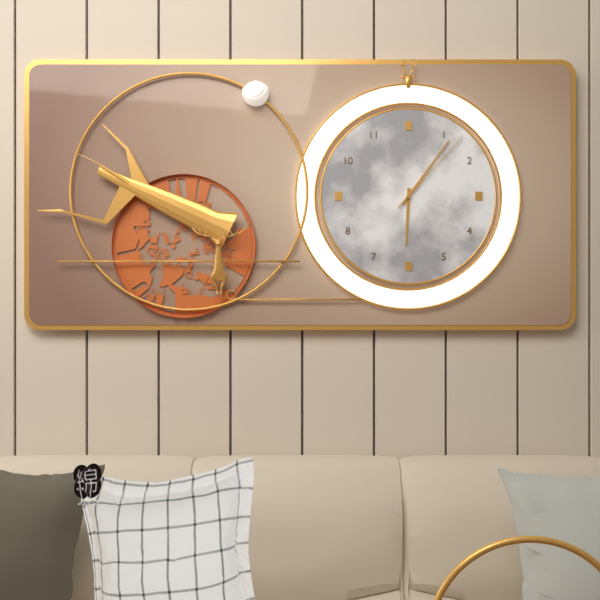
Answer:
6:06:07
